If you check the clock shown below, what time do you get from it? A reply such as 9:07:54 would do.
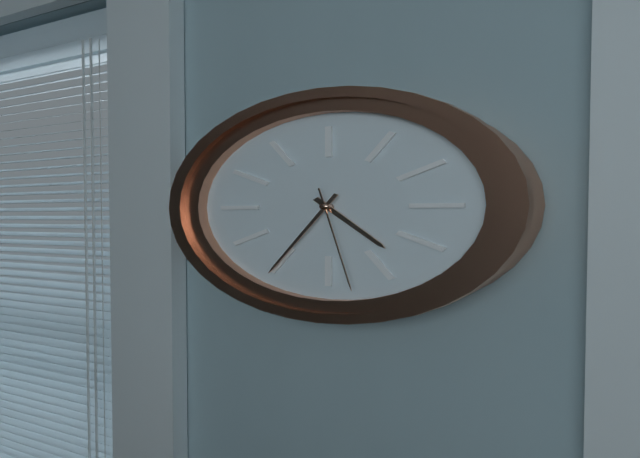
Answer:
4:35:28
